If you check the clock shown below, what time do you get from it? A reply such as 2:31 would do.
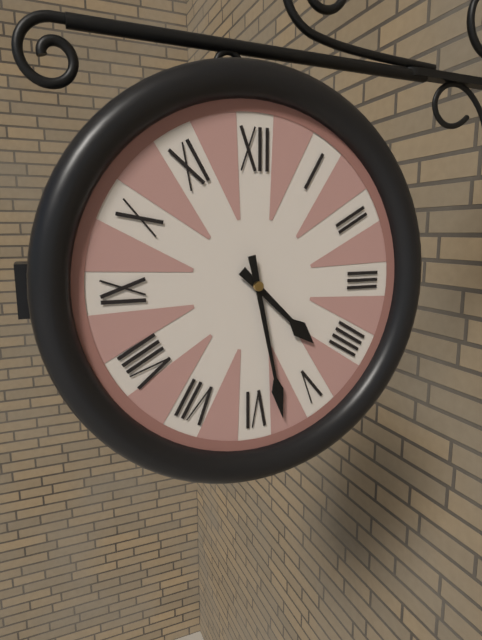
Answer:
4:28
